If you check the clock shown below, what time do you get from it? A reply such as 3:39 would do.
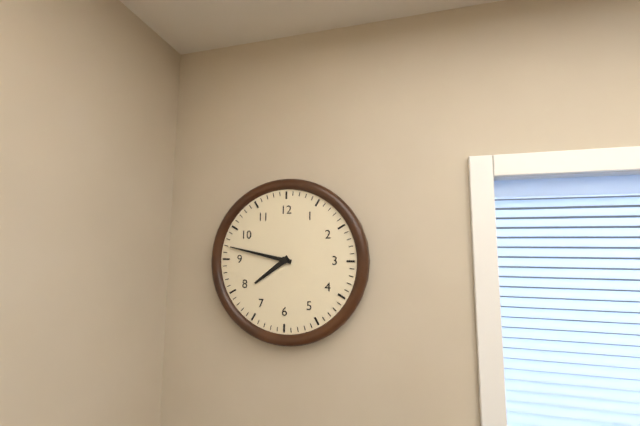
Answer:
7:47
